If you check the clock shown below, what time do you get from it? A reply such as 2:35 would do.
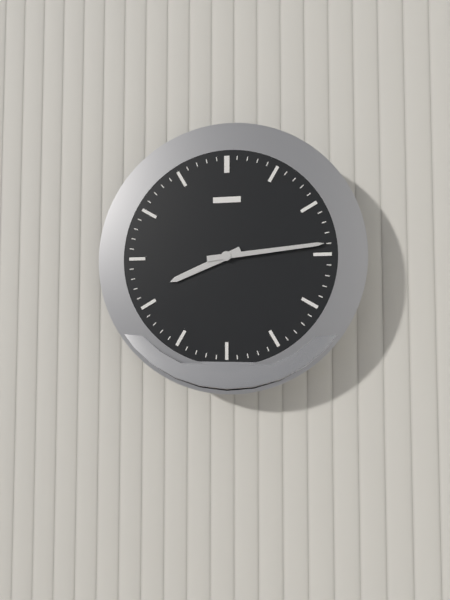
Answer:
8:14
